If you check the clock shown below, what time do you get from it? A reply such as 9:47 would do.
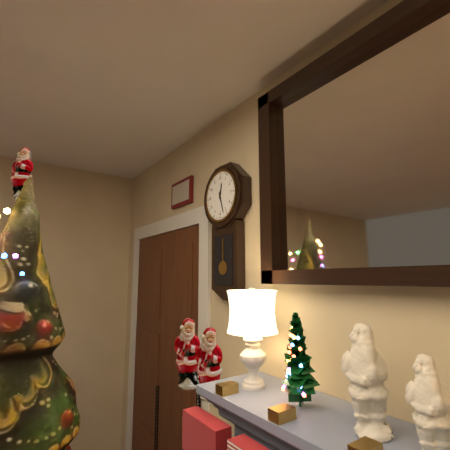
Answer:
12:27
